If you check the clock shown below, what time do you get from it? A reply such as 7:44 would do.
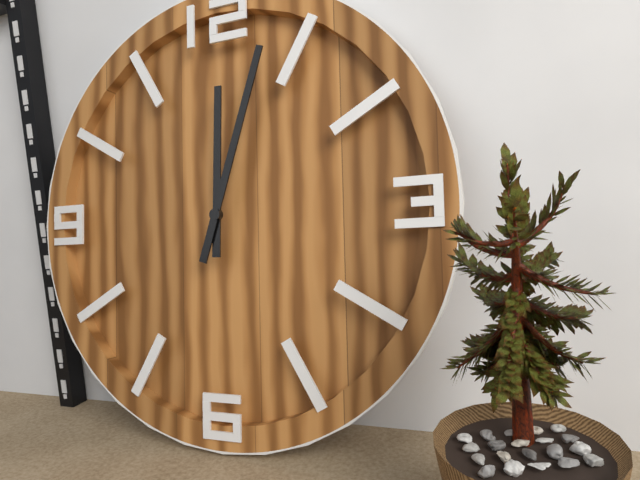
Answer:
12:03
